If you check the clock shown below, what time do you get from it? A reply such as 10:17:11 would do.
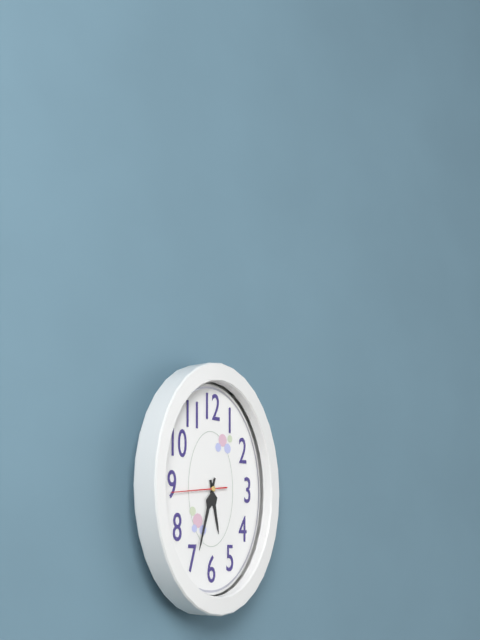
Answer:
5:33:44
